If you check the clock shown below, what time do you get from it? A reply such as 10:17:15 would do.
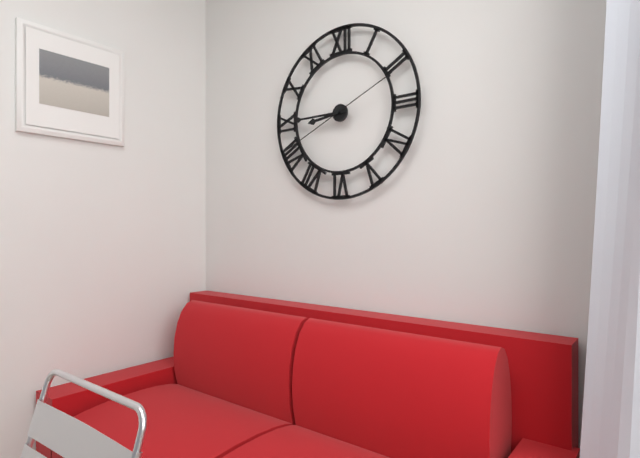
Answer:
8:45:41
